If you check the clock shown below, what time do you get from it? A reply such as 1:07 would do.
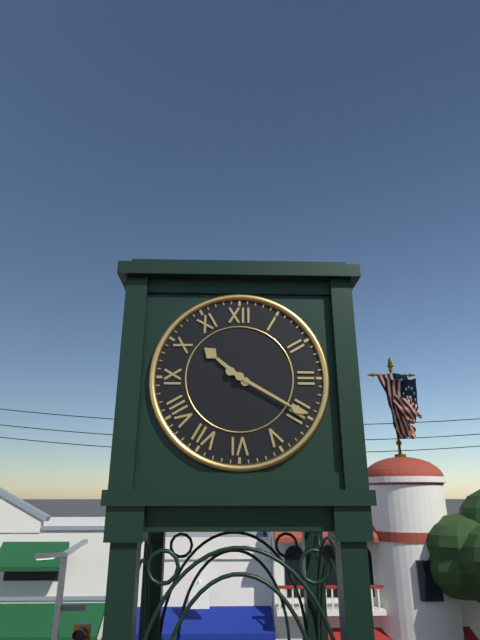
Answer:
10:20
